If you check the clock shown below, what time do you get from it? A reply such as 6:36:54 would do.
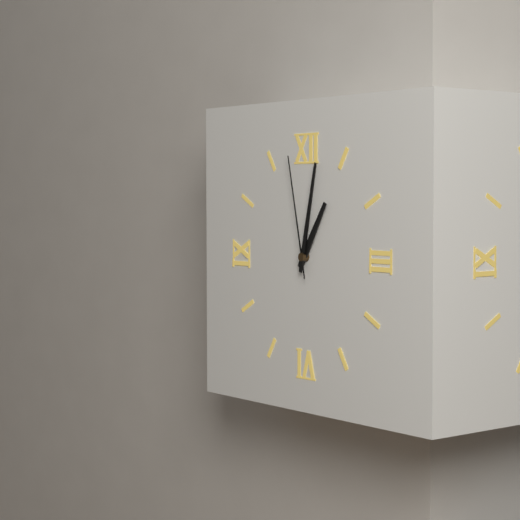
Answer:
1:02:58
